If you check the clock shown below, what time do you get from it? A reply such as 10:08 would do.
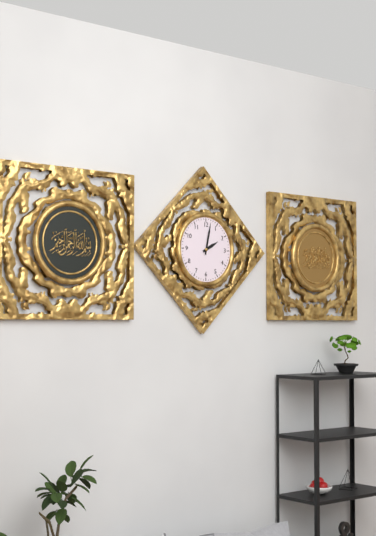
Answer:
2:02
